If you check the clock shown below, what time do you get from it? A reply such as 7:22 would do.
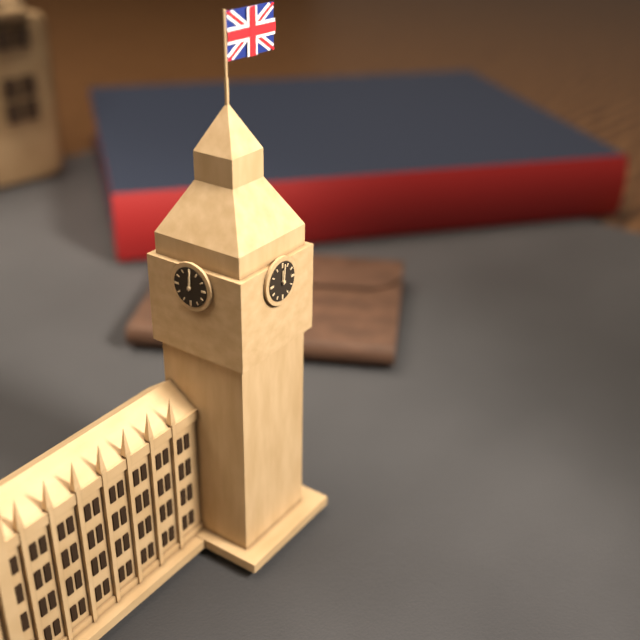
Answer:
12:01
